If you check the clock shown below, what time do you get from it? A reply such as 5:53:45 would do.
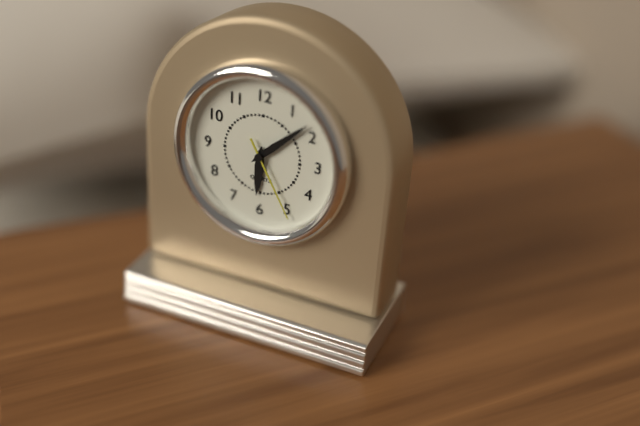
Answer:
6:08:25
